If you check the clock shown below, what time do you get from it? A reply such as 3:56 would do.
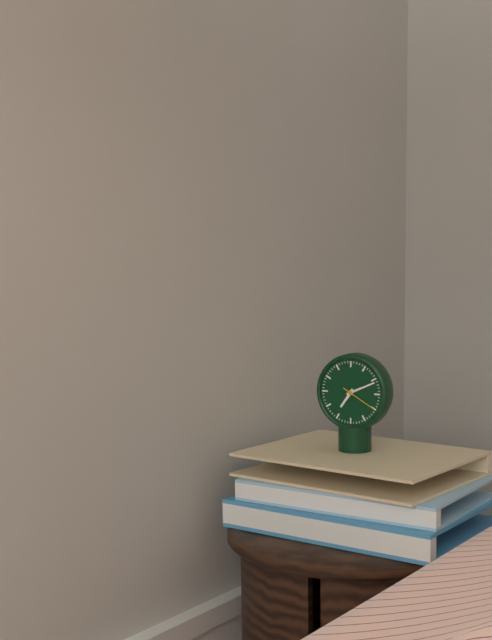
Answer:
7:11
